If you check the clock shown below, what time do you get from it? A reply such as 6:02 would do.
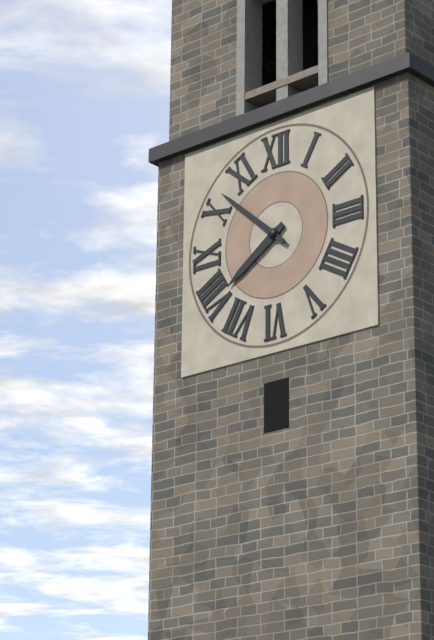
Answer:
7:52
